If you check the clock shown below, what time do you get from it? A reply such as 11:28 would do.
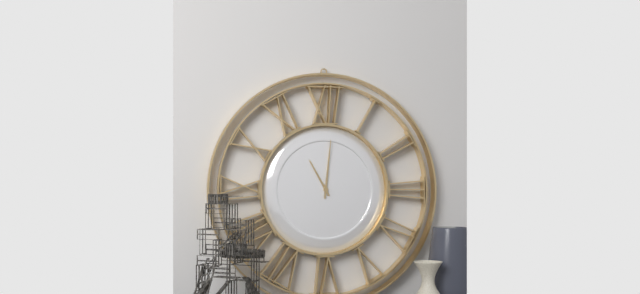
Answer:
11:01
